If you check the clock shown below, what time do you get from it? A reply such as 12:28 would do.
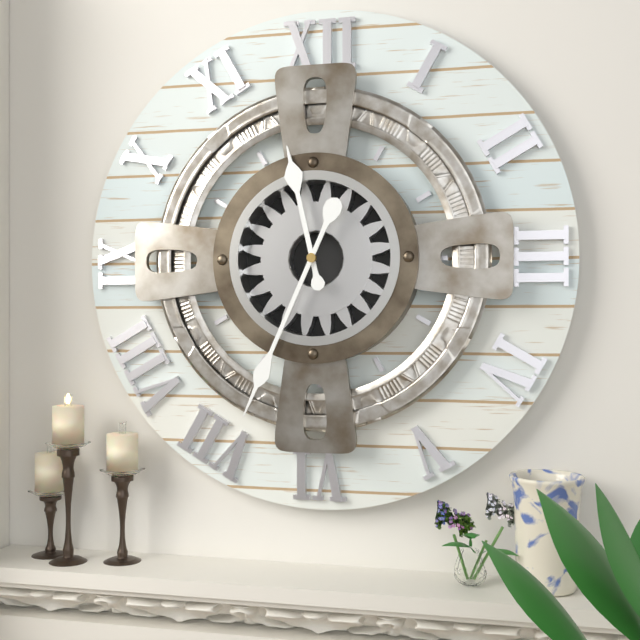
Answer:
11:34
